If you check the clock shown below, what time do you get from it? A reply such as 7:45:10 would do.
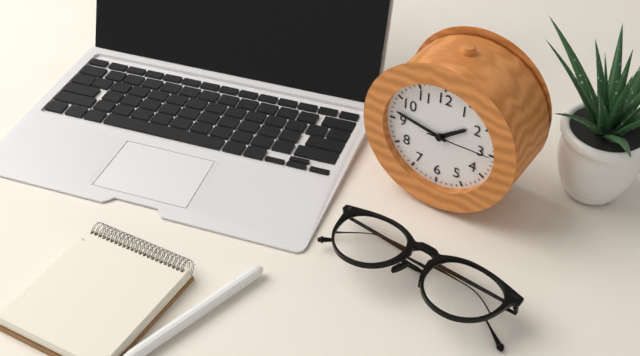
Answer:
1:47:15
